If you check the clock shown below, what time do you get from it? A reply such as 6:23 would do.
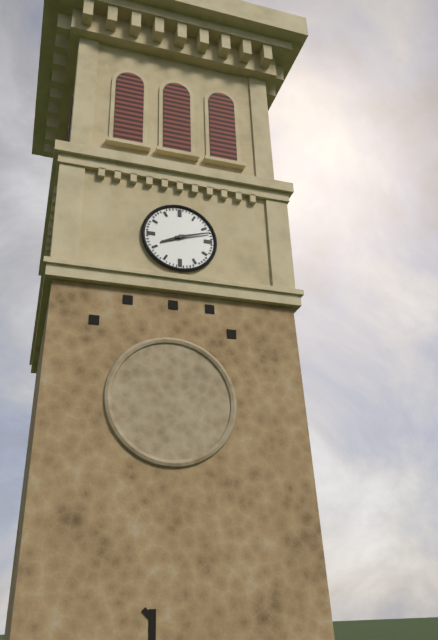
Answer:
8:12
